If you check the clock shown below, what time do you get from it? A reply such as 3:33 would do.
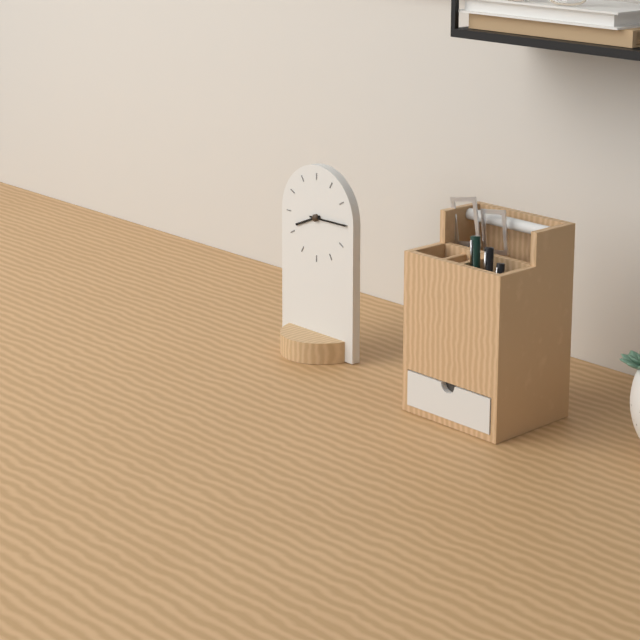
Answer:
8:15
